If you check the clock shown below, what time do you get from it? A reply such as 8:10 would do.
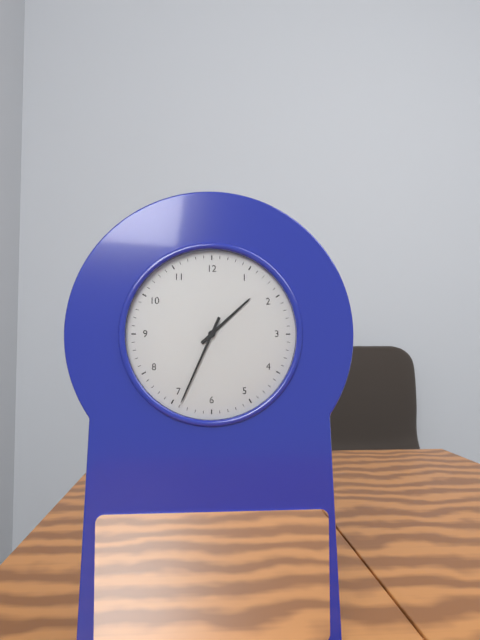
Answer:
1:34
